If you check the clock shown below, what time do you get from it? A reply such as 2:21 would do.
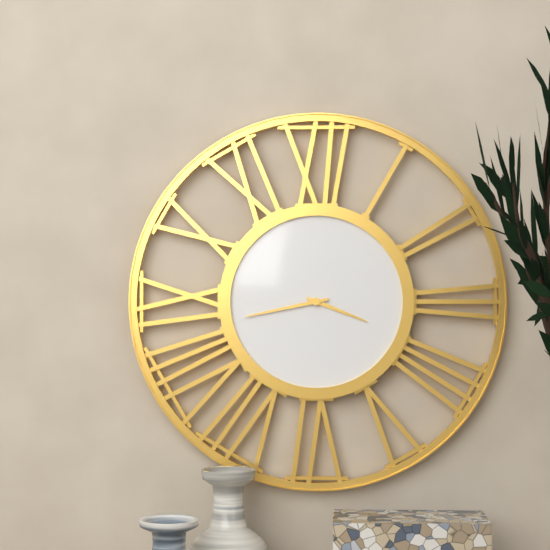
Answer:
3:43
